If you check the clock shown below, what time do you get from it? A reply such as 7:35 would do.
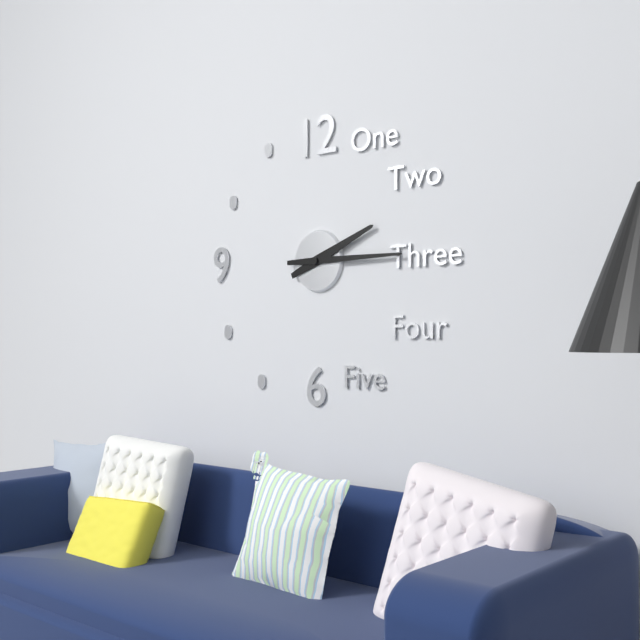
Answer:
2:15
